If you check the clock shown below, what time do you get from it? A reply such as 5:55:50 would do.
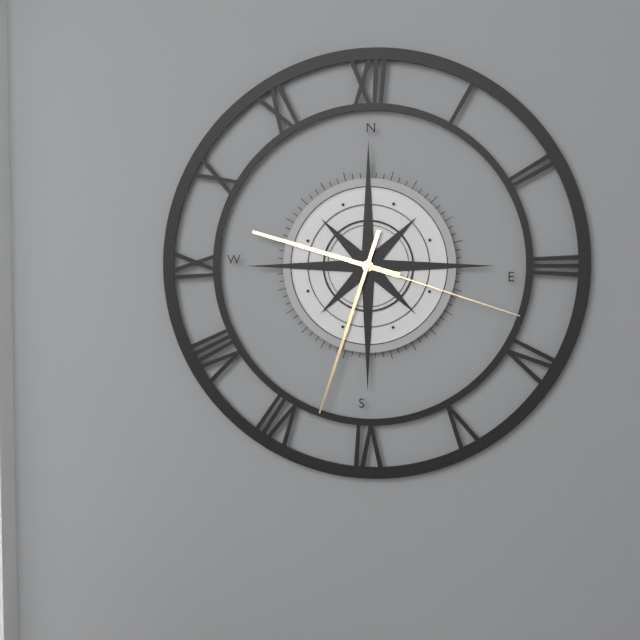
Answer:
9:33:18
